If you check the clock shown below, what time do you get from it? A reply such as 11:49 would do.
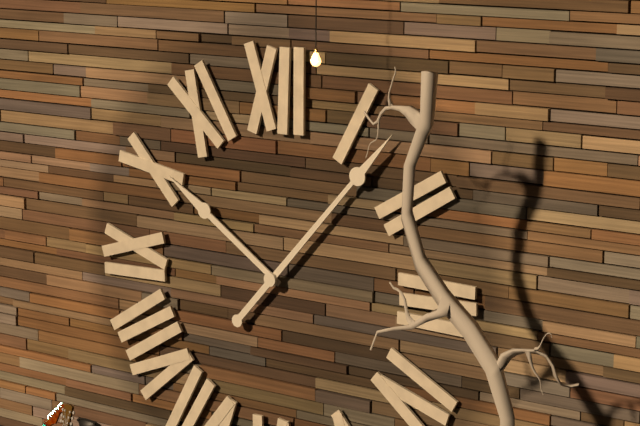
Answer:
10:07
